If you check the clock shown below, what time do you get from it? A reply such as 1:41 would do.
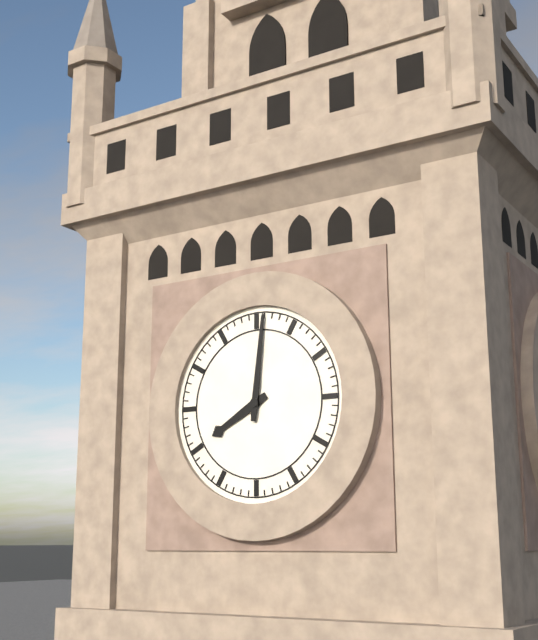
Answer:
8:01
